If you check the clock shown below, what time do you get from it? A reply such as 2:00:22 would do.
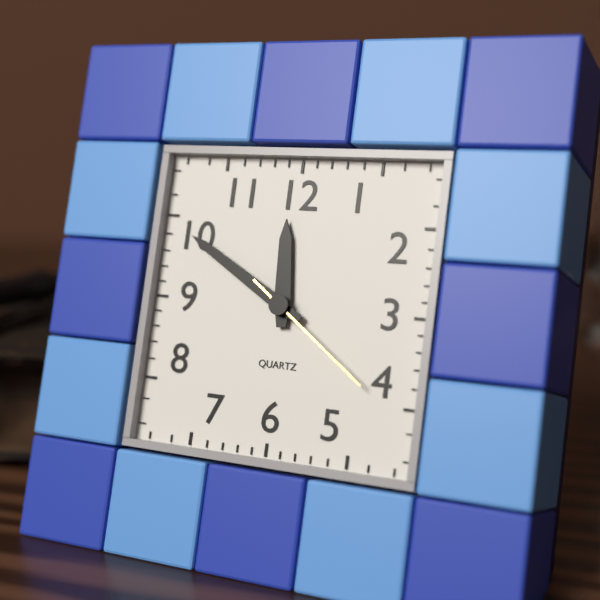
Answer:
11:50:21
